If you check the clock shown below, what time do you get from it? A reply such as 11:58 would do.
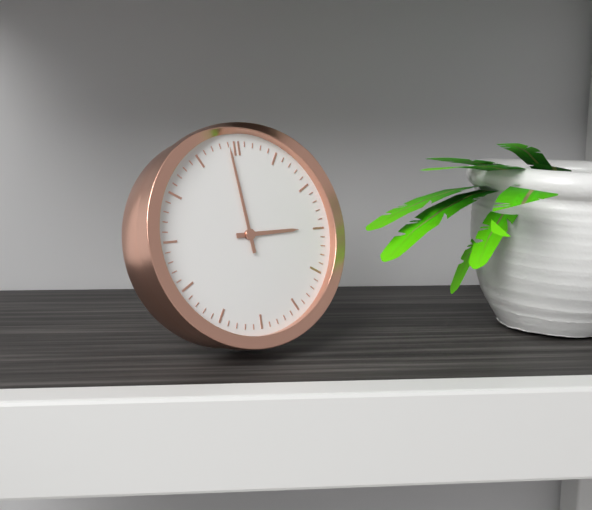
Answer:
2:59
